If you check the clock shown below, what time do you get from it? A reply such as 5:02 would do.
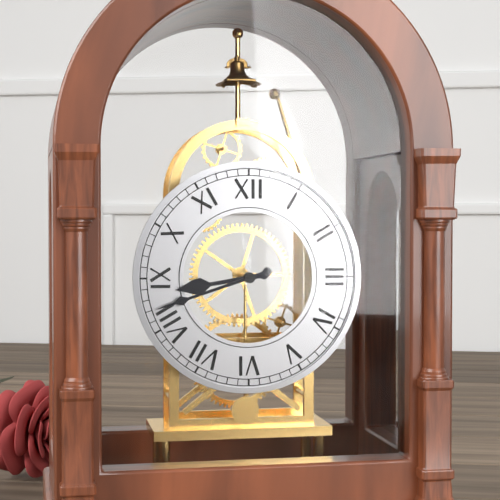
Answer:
8:42
